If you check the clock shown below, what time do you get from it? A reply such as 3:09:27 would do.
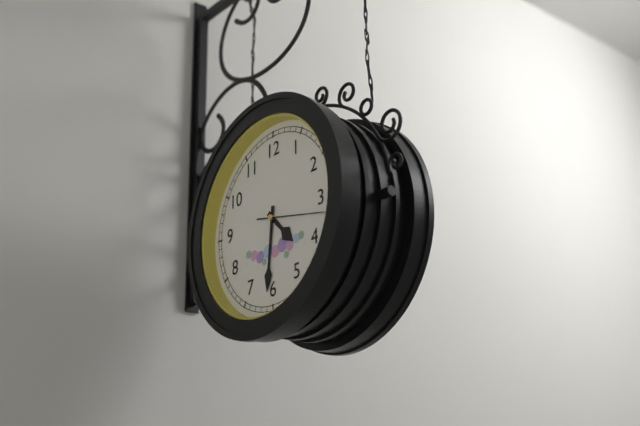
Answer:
4:31:17
